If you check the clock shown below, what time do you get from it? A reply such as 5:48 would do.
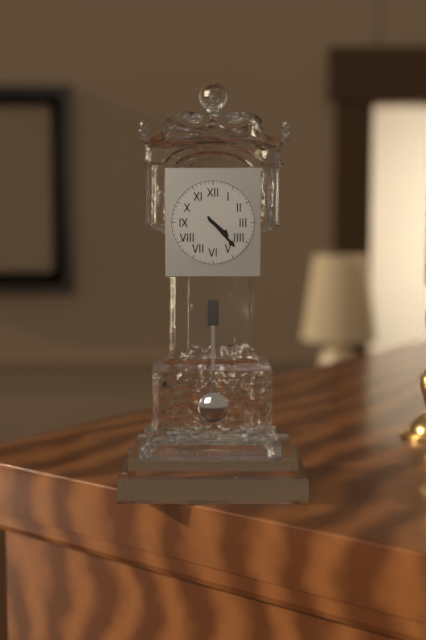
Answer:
4:23
